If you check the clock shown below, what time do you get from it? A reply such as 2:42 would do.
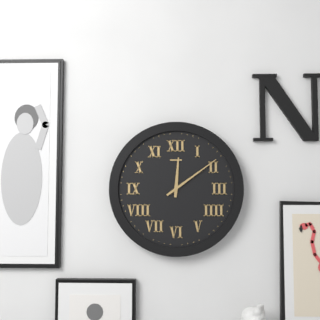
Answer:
12:09
